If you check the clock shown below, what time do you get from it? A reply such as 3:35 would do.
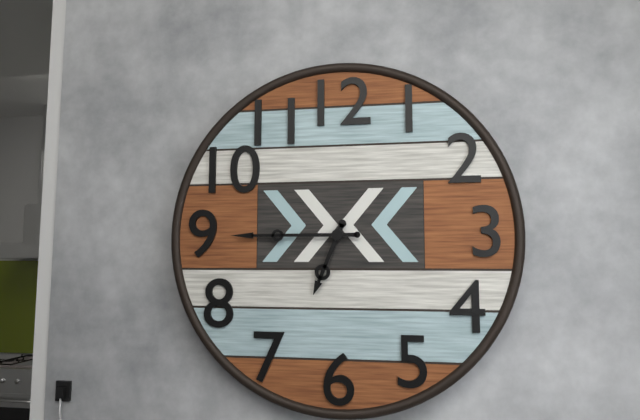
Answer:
6:45
